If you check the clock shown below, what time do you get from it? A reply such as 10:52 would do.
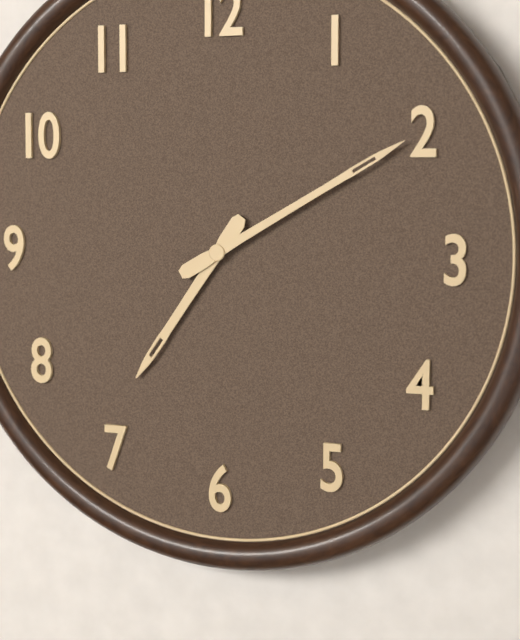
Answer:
7:10
